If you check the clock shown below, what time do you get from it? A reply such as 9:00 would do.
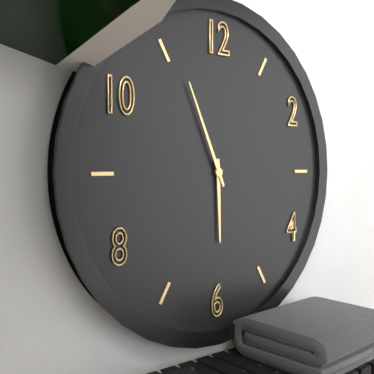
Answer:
5:56
